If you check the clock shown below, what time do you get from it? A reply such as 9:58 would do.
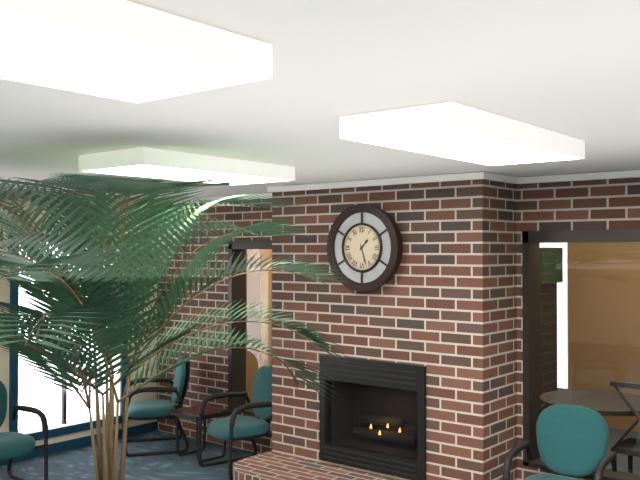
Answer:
1:27
